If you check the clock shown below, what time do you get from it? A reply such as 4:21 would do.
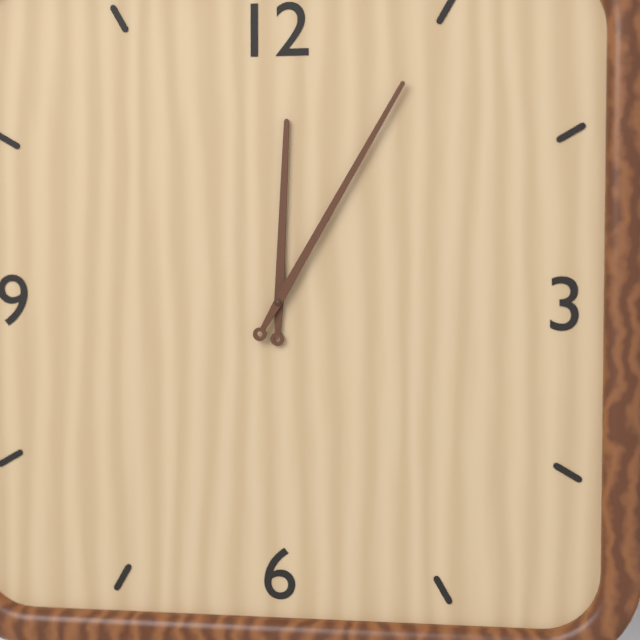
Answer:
12:05
